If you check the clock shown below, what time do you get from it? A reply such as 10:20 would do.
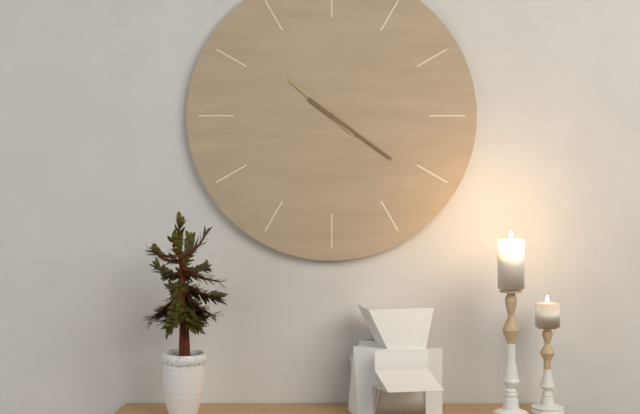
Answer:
10:21
